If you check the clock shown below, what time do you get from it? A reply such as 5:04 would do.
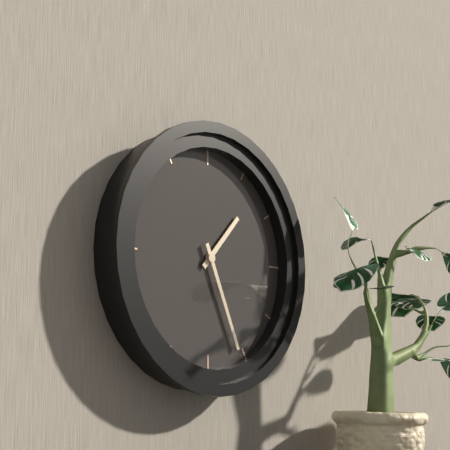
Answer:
1:26
